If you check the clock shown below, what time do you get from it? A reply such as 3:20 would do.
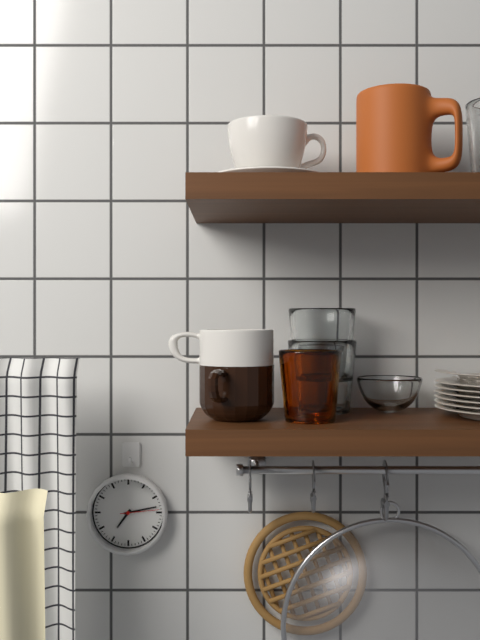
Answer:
7:13
